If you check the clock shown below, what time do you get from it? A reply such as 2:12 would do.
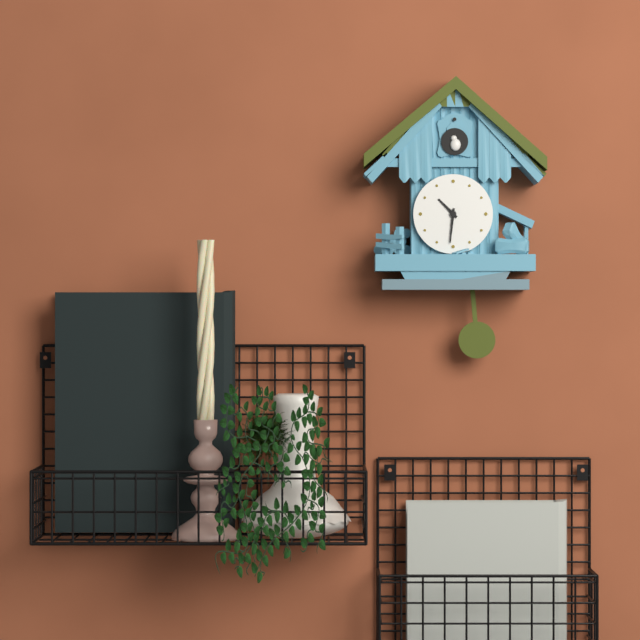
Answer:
10:31
